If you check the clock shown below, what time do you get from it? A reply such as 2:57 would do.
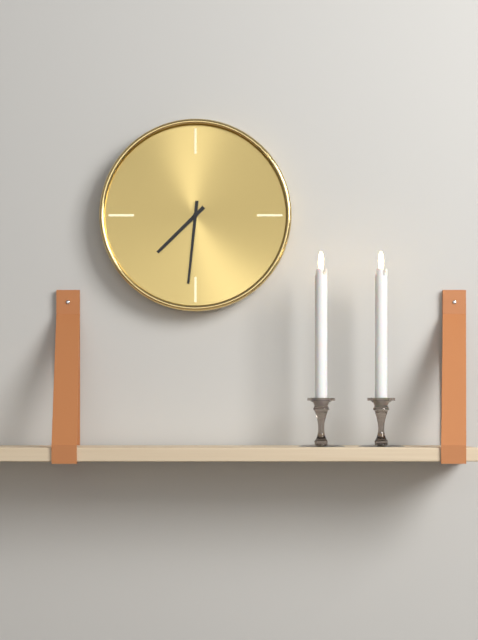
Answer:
7:31
